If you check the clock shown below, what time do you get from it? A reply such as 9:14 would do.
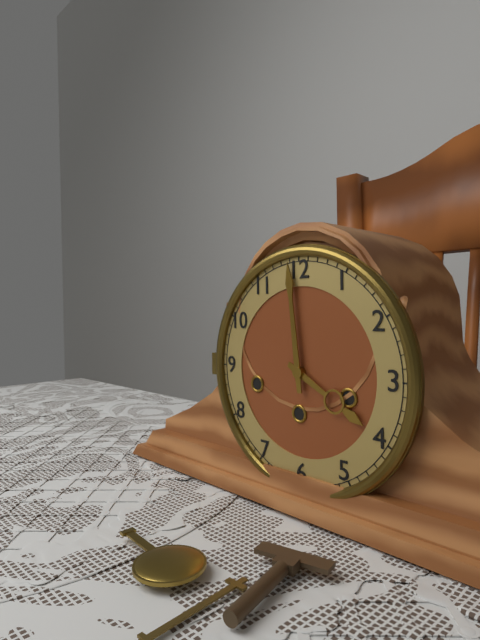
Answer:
3:59
